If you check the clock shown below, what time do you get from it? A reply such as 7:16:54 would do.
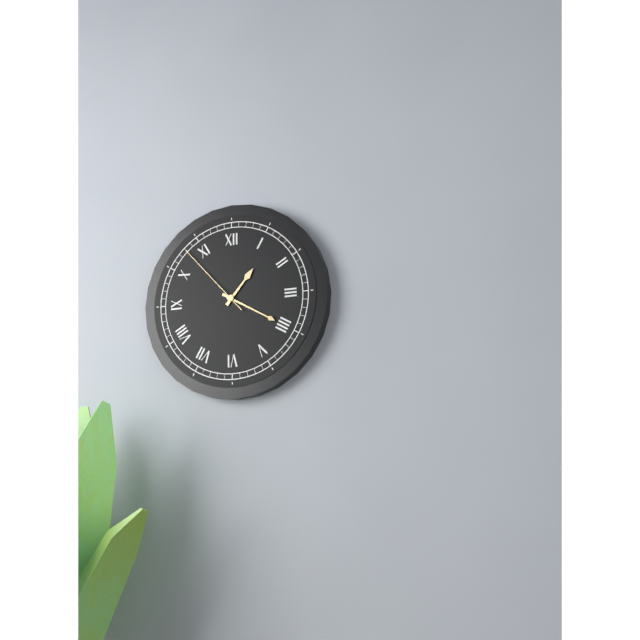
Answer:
1:20:53
